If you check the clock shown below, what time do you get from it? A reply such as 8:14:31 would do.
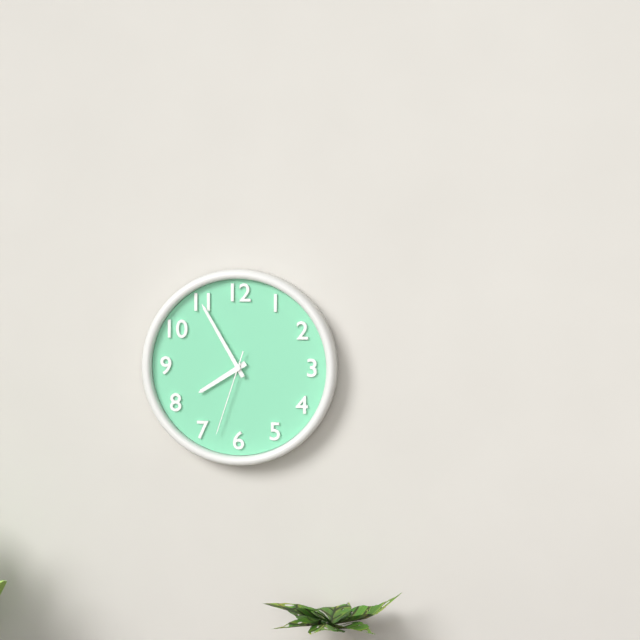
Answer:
7:55:33
